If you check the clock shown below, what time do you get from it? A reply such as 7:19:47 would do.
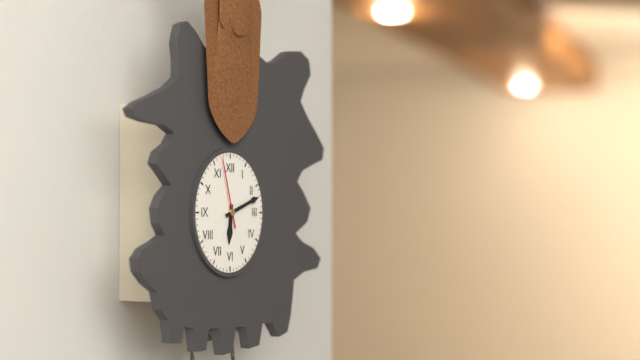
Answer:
6:12:57
